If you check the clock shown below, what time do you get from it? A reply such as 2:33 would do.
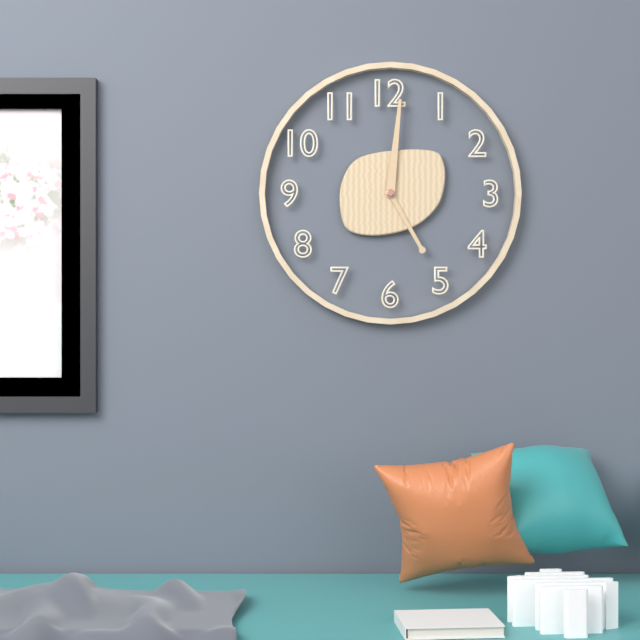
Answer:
5:01
